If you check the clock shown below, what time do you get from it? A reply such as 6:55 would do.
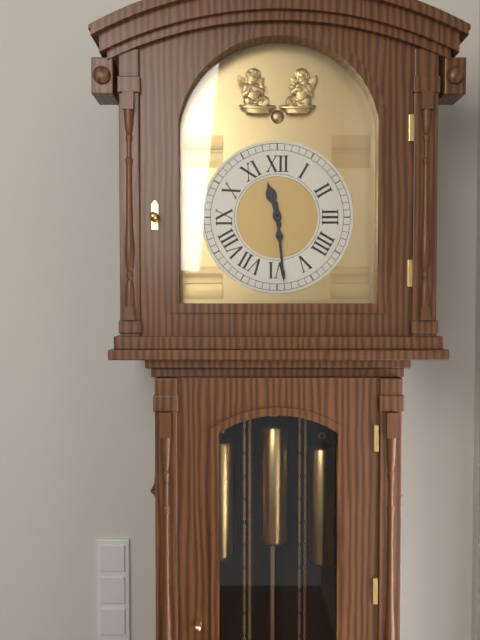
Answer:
11:29
